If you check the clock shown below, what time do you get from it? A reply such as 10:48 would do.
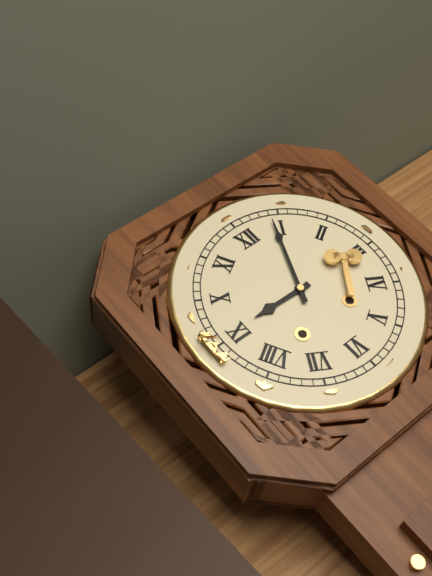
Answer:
9:04
